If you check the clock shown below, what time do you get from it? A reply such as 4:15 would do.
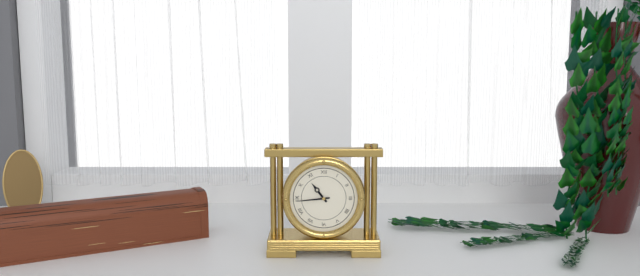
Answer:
10:44
